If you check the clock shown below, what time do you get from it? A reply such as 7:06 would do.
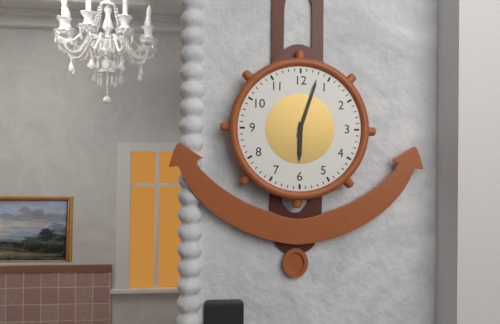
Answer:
6:03
